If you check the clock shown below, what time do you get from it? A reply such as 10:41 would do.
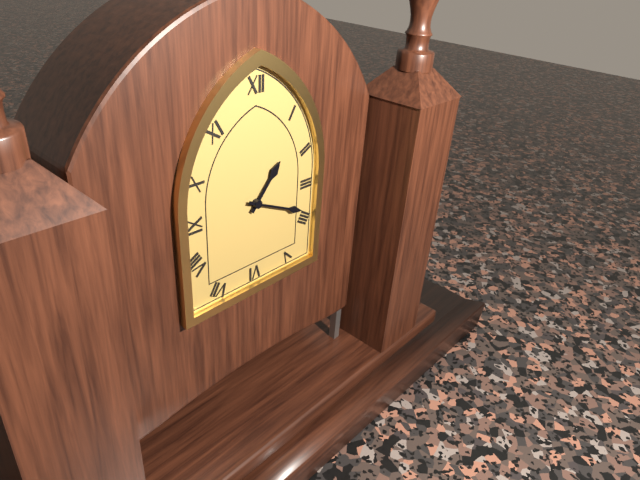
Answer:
1:19
